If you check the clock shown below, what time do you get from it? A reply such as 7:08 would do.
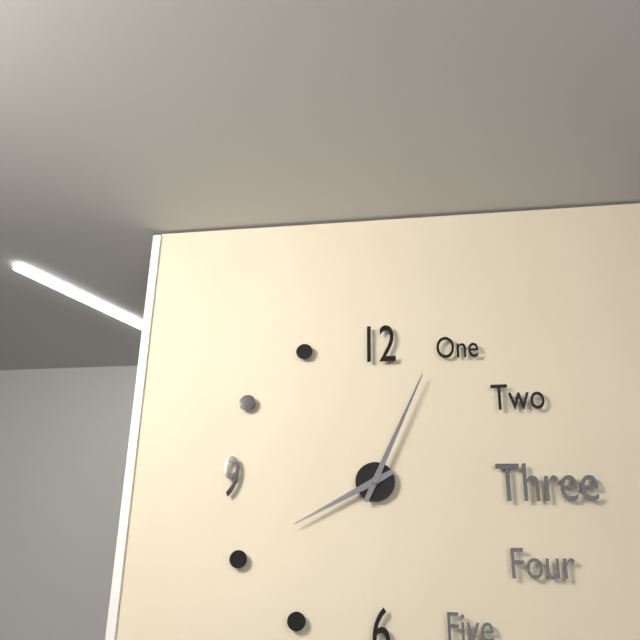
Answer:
8:04
